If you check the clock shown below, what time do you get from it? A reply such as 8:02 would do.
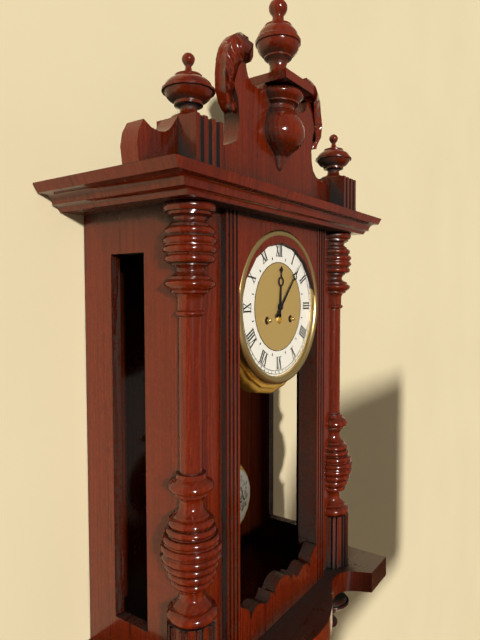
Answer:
12:07
